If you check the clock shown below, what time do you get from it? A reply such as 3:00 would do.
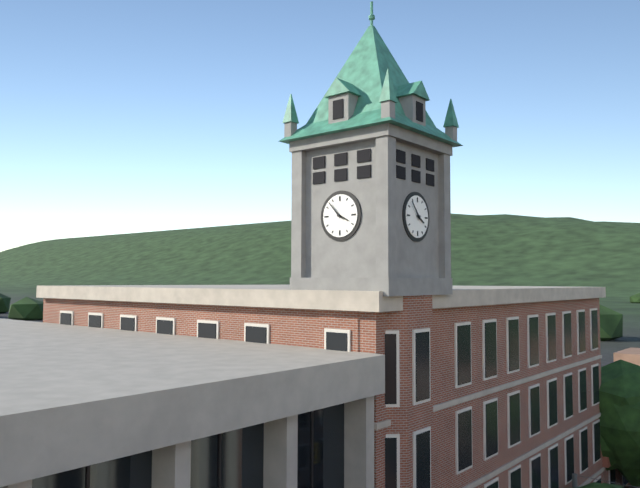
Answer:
3:53
